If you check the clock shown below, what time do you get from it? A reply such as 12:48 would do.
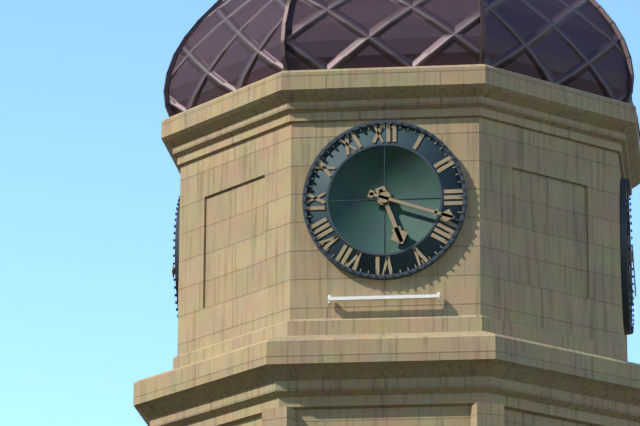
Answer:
5:18
